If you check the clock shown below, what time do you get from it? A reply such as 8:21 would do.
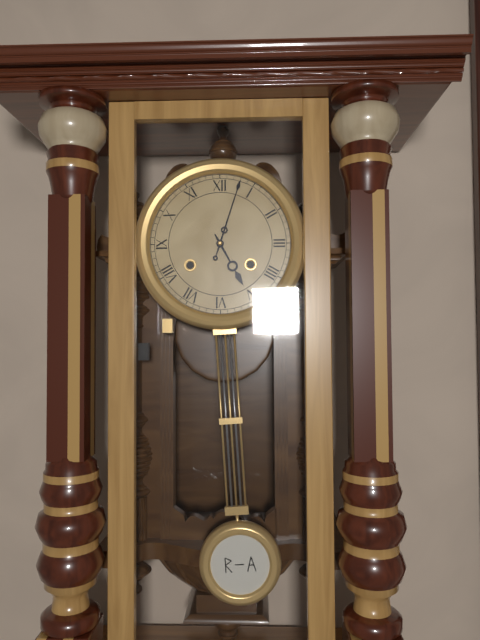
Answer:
5:03
